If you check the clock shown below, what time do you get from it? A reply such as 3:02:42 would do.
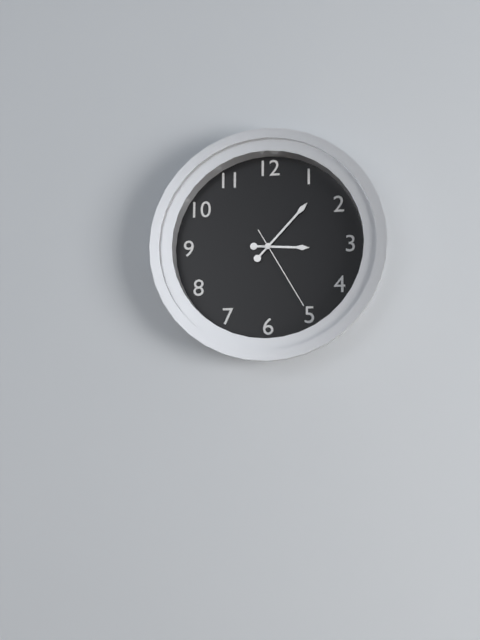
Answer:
3:07:25
